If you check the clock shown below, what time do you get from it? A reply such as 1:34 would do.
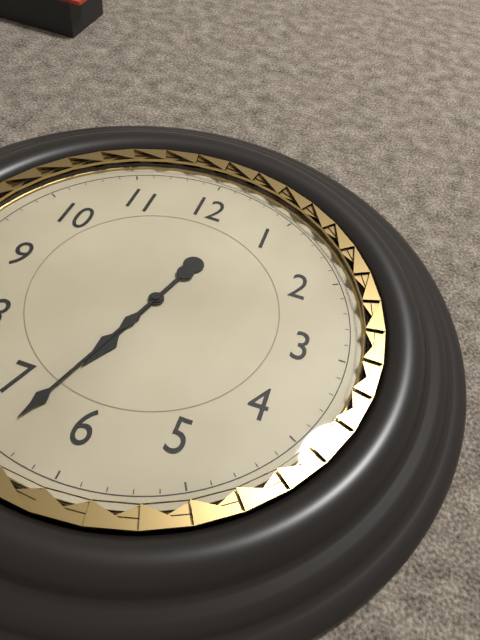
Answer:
6:33
